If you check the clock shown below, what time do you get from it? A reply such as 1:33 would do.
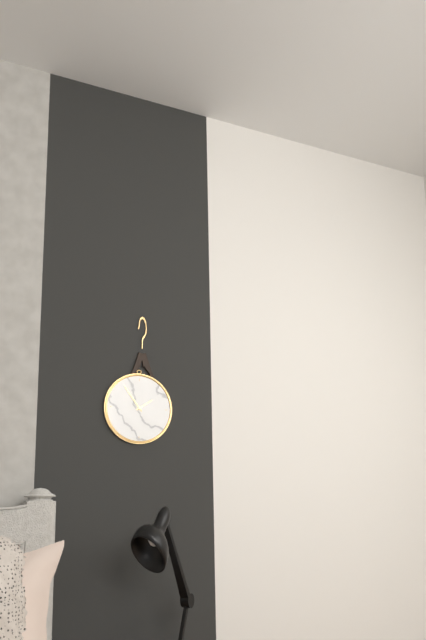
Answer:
1:54
